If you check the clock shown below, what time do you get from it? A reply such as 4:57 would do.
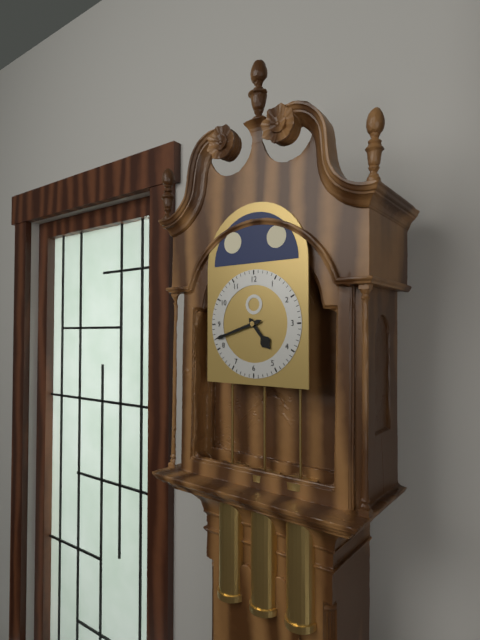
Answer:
4:42
